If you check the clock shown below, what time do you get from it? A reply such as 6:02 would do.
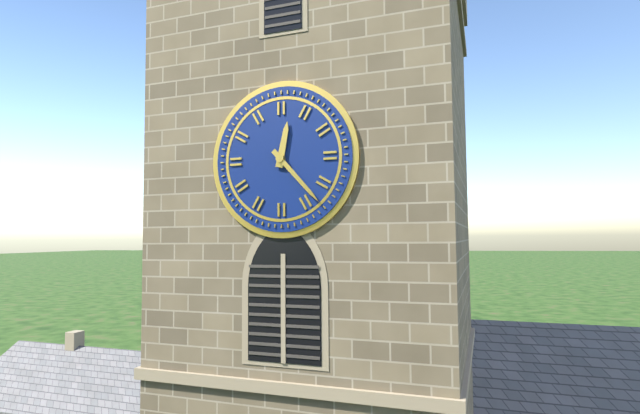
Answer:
12:23
